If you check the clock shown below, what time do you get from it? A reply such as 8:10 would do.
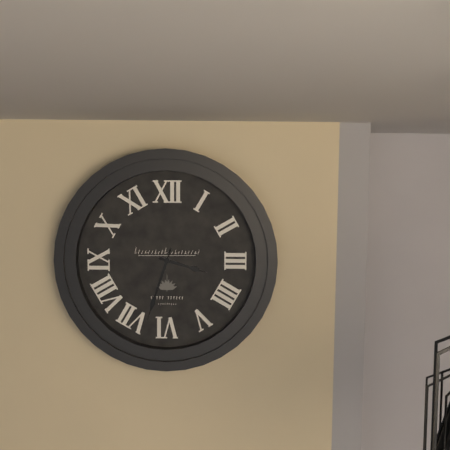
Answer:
3:33
